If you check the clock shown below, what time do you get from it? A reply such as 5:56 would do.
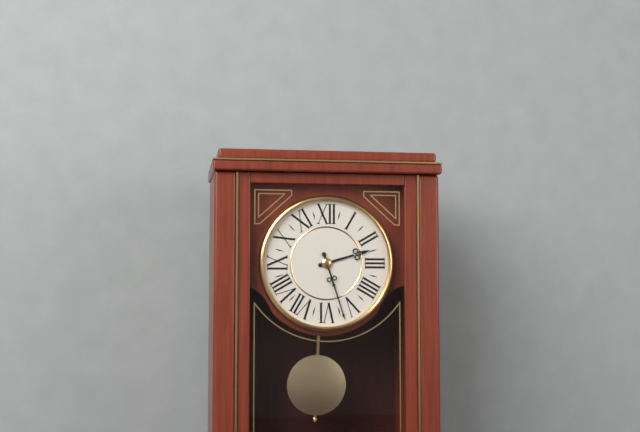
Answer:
2:27
